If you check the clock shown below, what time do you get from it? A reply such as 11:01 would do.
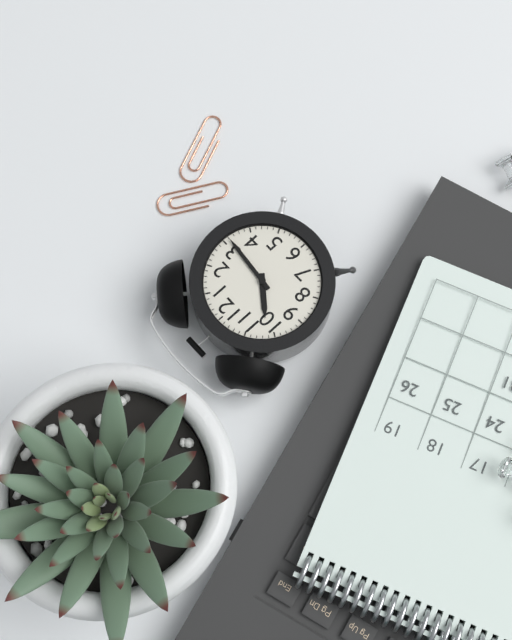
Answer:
10:16
